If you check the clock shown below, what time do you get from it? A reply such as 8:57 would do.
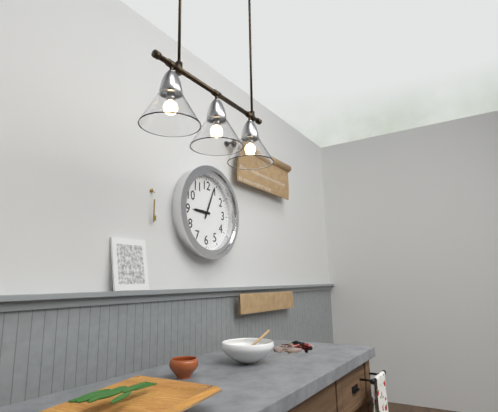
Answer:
9:04
